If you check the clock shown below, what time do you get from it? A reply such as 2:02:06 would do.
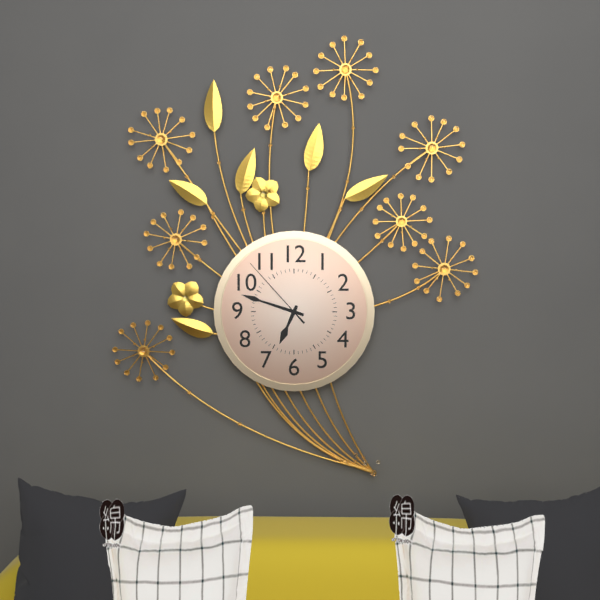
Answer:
6:48:53
